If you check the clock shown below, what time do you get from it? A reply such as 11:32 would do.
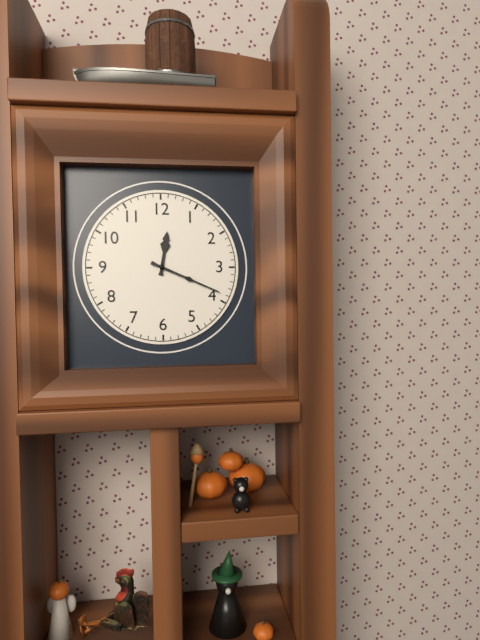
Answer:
12:19
